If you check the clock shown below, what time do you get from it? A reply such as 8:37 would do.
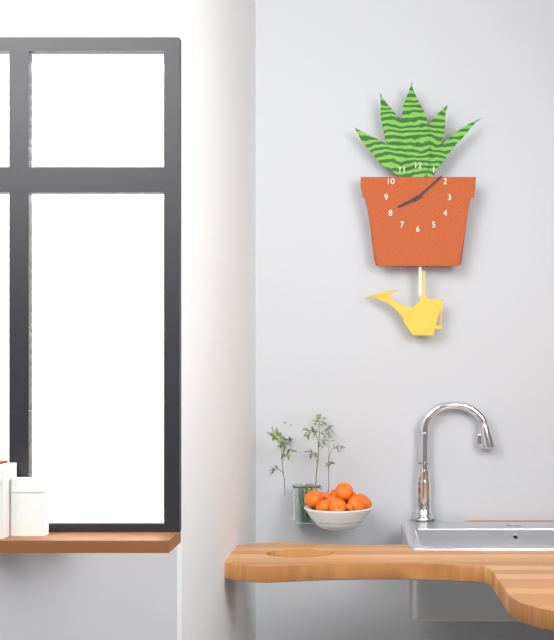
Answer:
8:08
